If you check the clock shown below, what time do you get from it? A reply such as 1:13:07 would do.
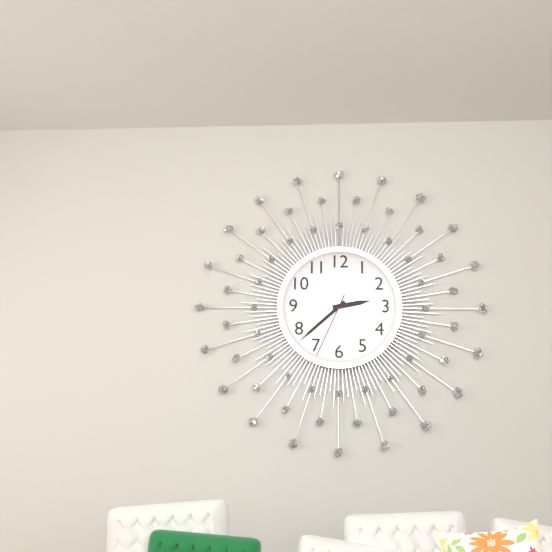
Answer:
2:38:34
